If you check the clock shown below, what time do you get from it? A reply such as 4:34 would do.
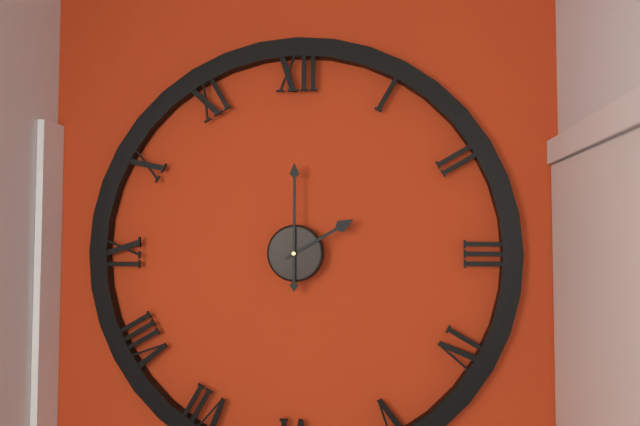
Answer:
2:00
